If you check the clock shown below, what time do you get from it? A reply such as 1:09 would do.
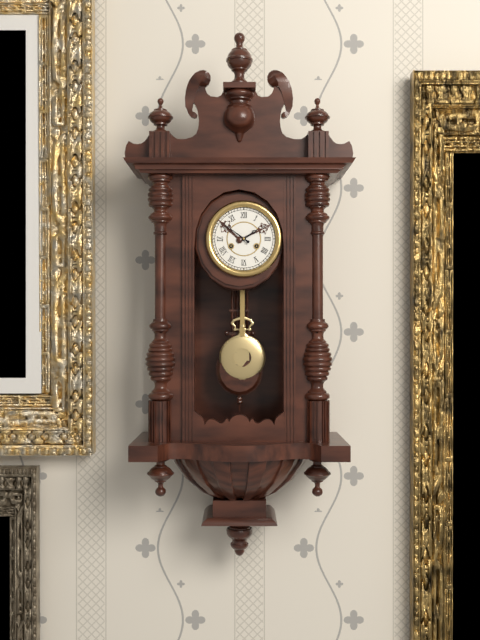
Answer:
1:51
